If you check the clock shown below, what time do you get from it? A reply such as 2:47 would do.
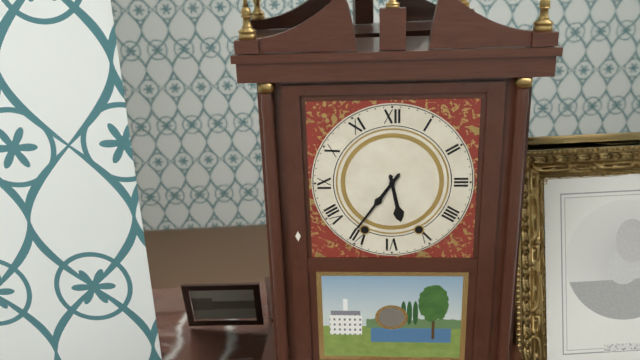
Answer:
5:36
